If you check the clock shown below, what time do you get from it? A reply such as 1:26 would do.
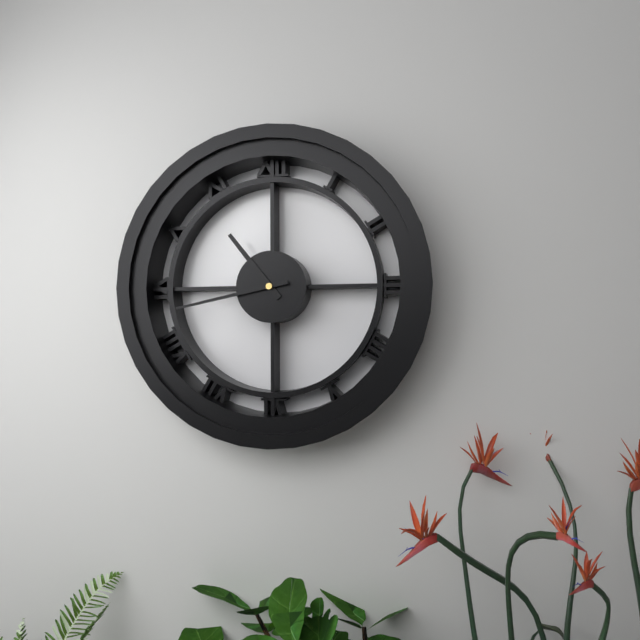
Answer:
10:43
